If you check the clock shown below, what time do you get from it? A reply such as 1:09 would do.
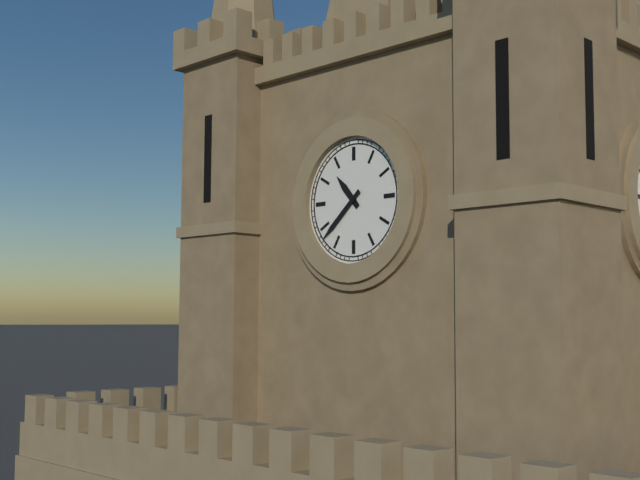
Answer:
10:38
